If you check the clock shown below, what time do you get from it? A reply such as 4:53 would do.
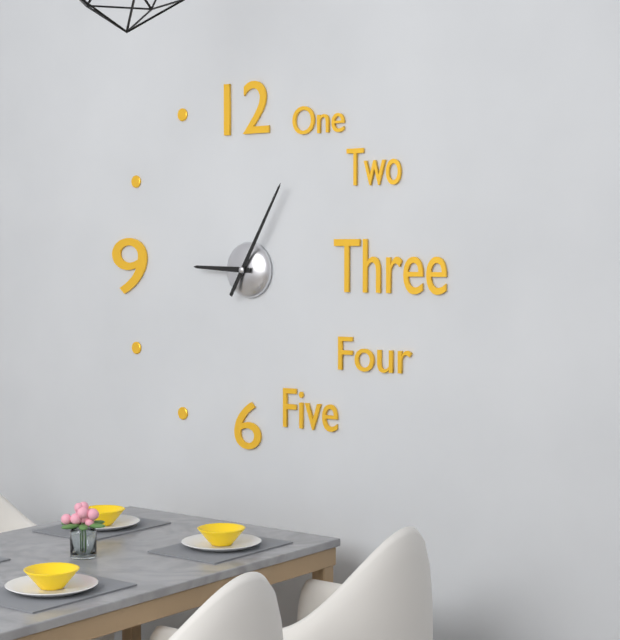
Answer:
9:05
